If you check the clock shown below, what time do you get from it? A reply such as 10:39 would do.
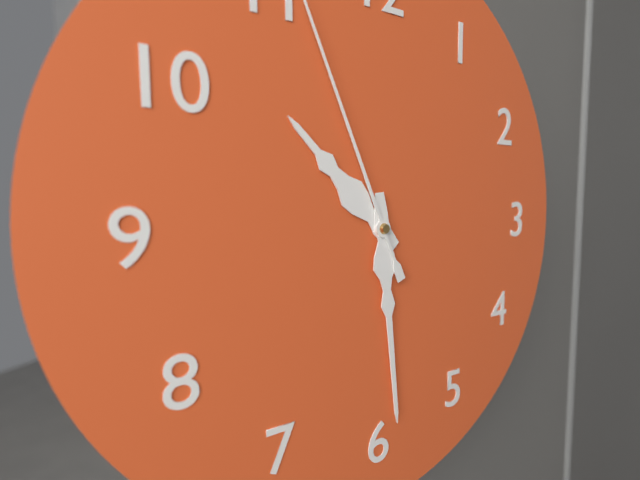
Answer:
10:29
